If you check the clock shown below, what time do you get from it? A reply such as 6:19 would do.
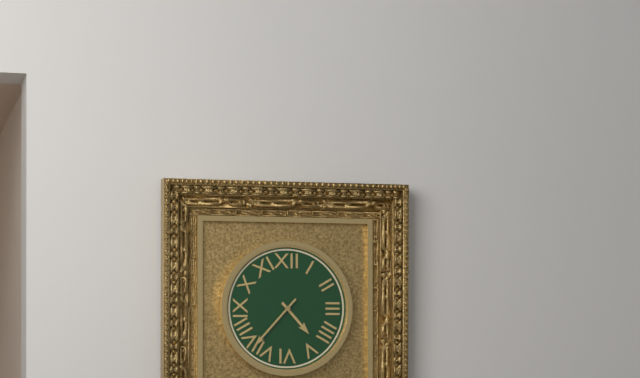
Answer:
4:37
